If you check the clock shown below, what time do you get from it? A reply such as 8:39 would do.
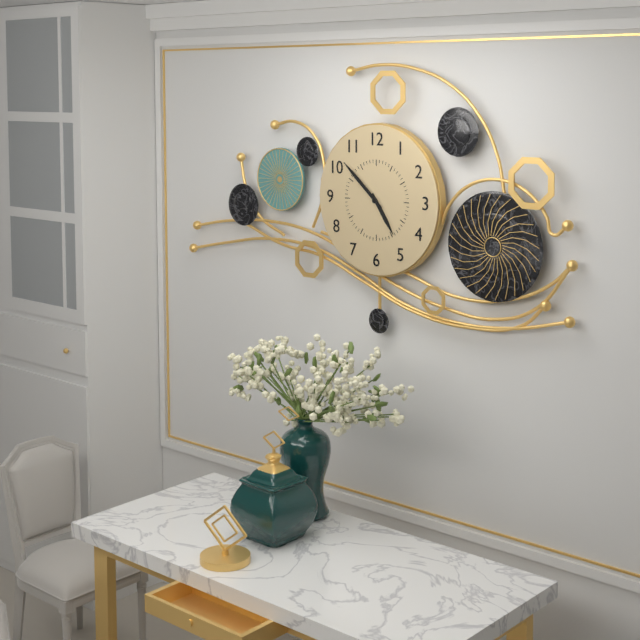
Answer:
4:52
